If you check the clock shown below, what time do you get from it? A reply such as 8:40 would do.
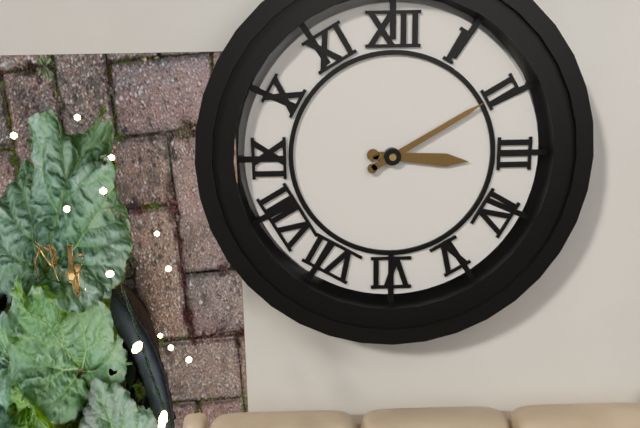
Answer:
3:10
